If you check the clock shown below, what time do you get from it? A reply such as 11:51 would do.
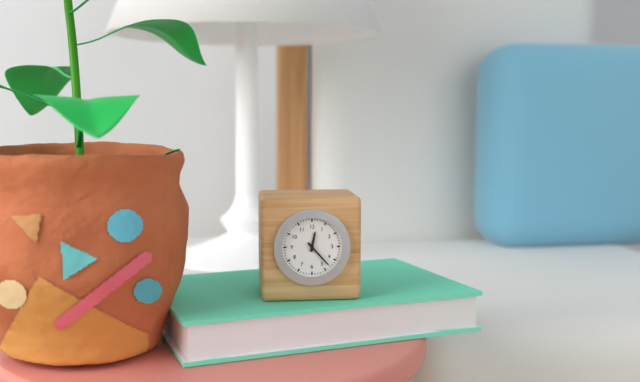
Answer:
12:23
